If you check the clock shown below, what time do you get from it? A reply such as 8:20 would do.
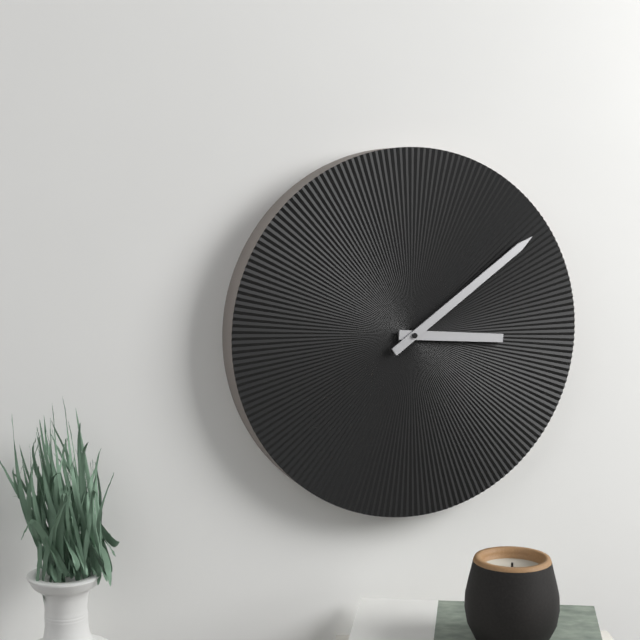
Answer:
3:09
